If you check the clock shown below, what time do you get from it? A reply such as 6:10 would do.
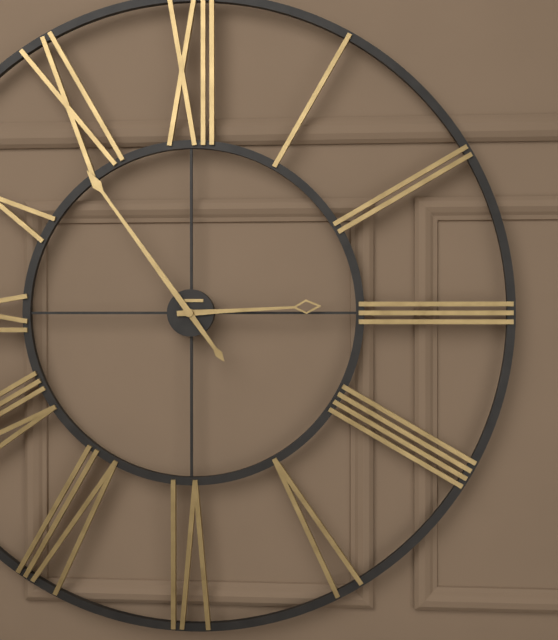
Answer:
2:54
